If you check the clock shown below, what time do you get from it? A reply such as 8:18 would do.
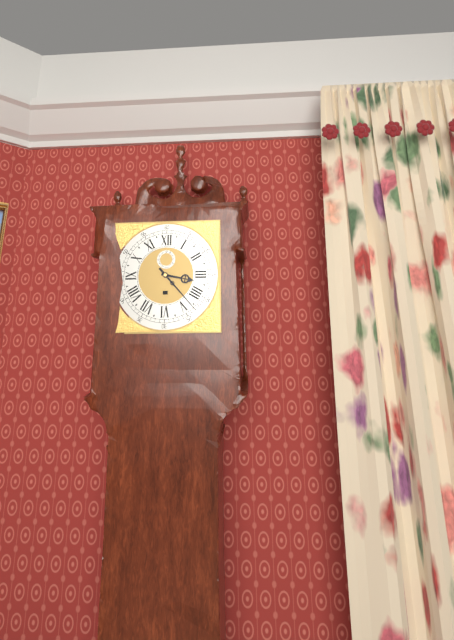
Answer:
3:23
